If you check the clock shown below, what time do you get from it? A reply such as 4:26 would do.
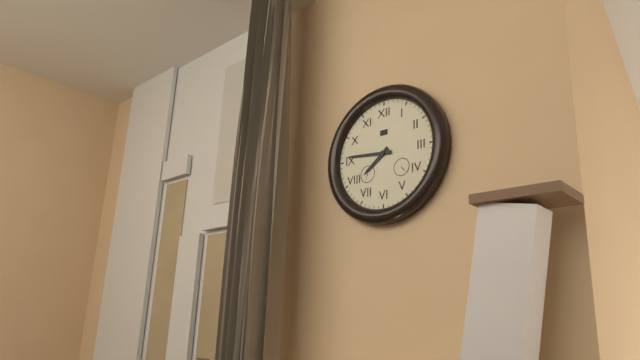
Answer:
7:46
